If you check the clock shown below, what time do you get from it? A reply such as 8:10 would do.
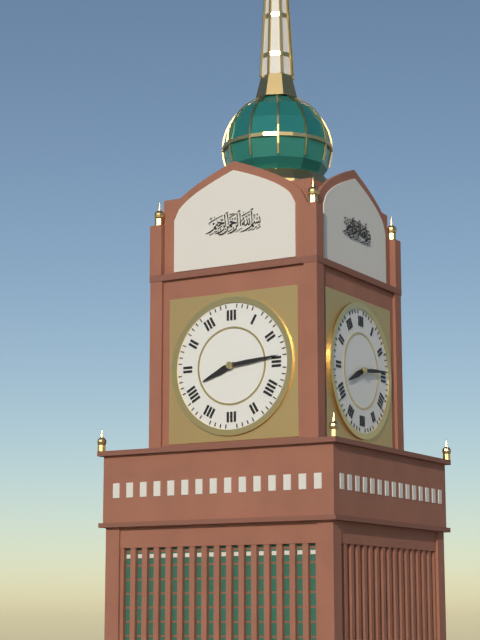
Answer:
8:14
